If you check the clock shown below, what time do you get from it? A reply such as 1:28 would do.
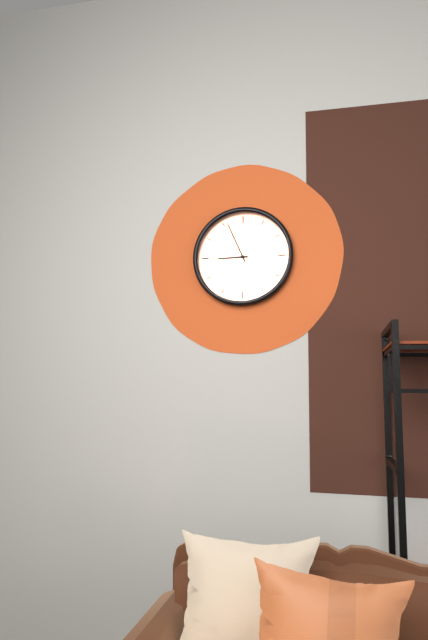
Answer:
8:56
